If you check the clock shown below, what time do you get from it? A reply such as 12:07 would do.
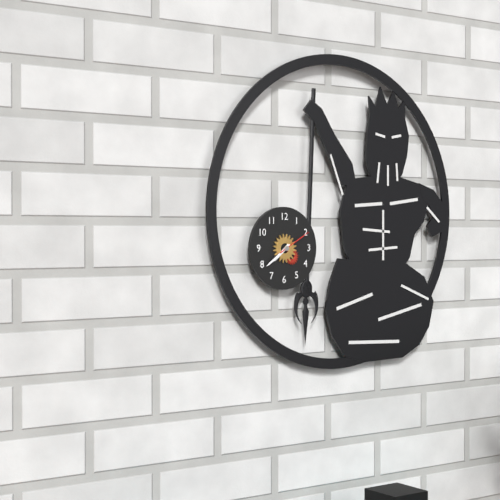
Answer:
7:39
